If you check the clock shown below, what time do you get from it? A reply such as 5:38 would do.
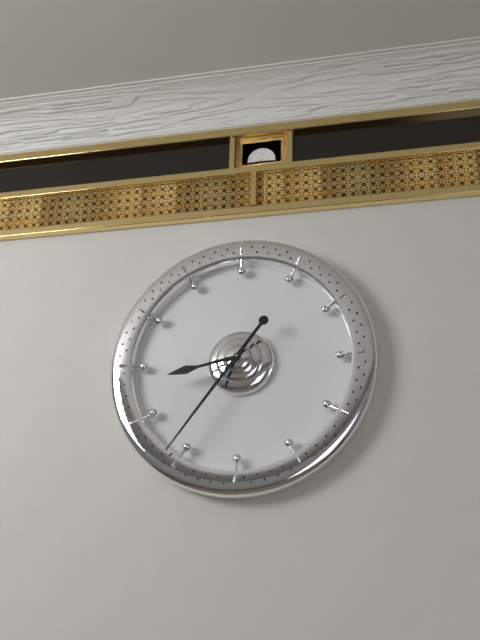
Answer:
8:36
